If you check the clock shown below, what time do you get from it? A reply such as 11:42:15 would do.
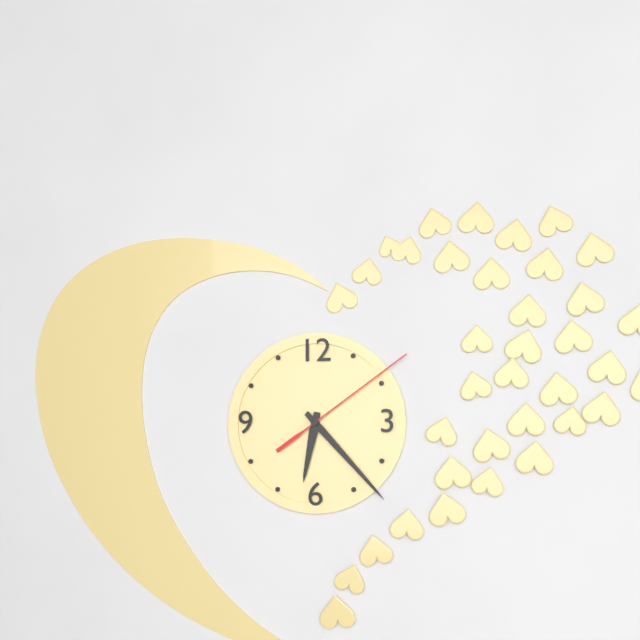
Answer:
6:23:09
